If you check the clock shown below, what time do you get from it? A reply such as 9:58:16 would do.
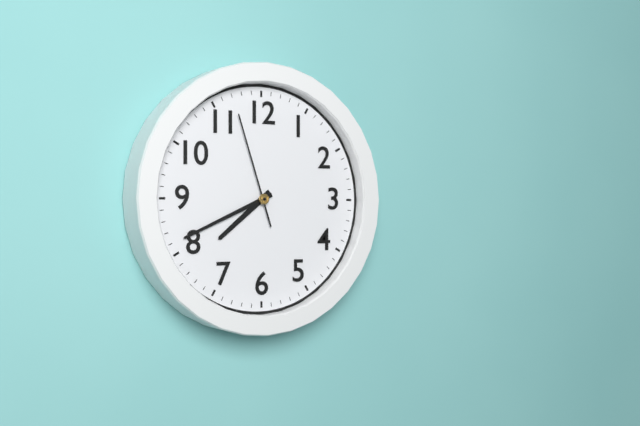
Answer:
7:41:57
